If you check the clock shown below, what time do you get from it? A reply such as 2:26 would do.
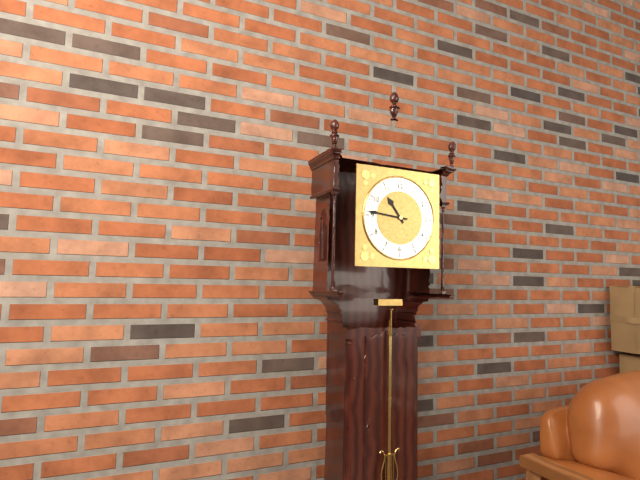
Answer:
10:46
